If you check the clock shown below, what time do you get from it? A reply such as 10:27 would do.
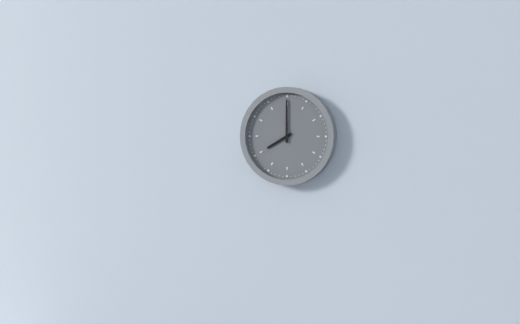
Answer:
8:00
